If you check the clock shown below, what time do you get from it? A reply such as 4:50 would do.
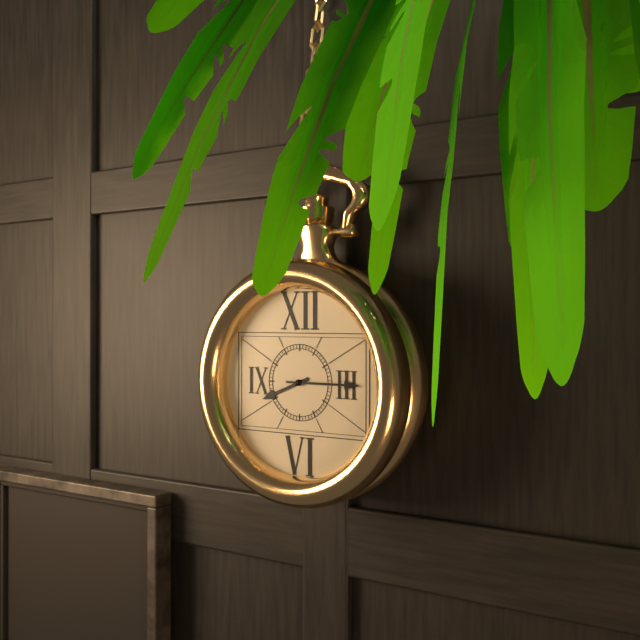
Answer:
8:15
